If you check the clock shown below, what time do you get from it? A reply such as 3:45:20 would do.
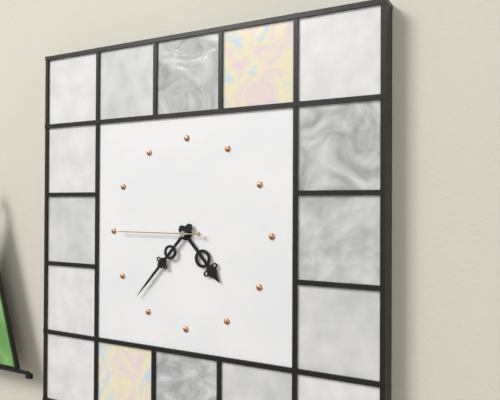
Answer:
4:37:45
